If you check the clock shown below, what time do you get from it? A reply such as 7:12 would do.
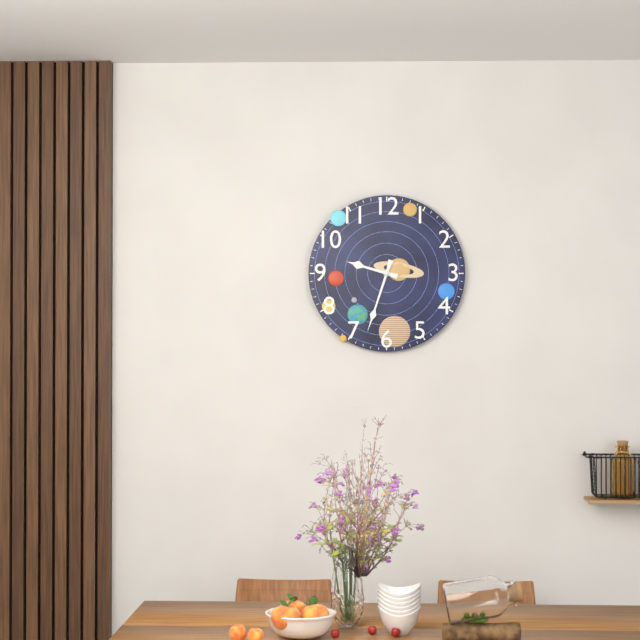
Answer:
9:33
